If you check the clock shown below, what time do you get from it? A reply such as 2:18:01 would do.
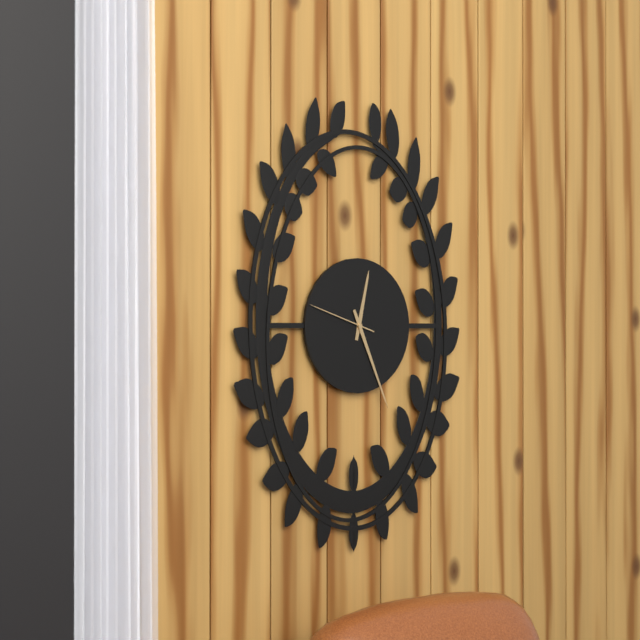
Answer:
12:26:48
